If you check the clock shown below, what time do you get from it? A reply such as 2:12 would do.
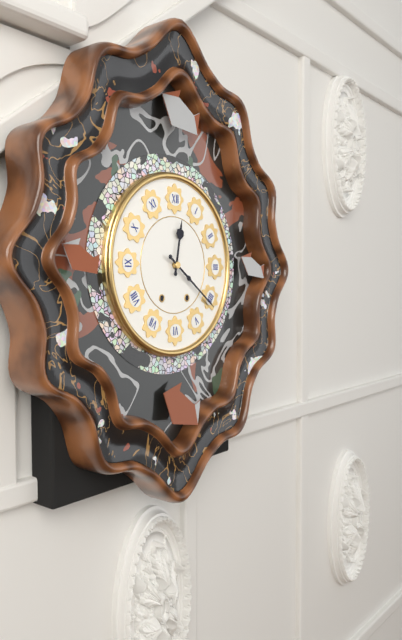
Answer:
12:21
